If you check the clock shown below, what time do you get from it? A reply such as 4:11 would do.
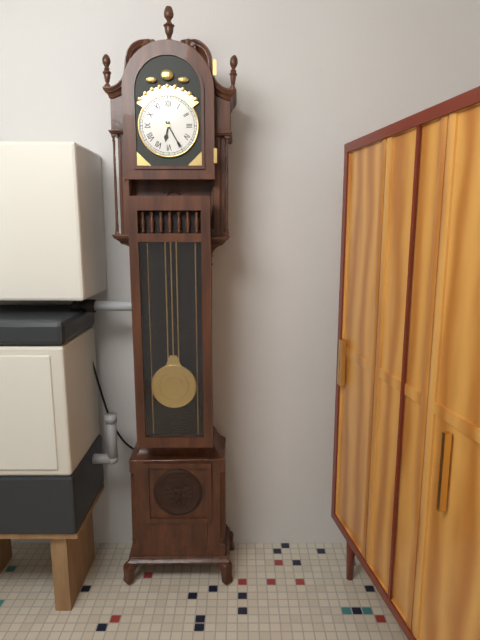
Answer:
6:25
